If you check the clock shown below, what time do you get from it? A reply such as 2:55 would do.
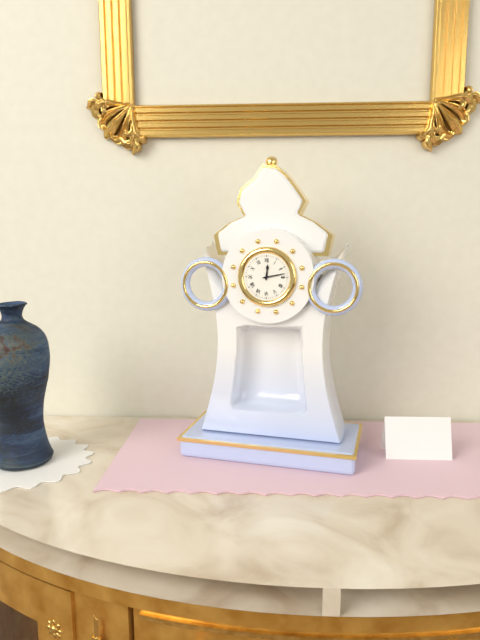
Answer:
12:13
